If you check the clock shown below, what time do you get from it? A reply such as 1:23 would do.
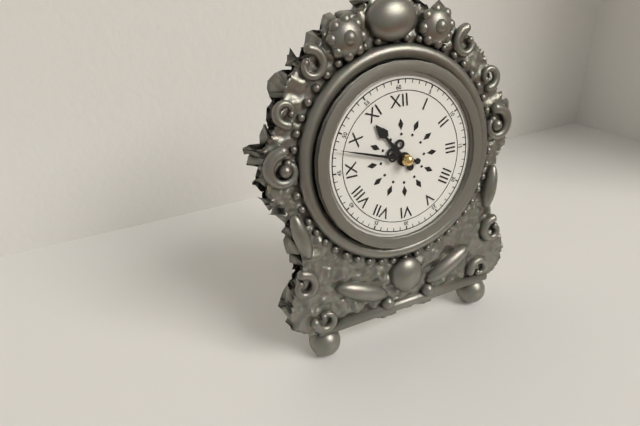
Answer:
10:48
